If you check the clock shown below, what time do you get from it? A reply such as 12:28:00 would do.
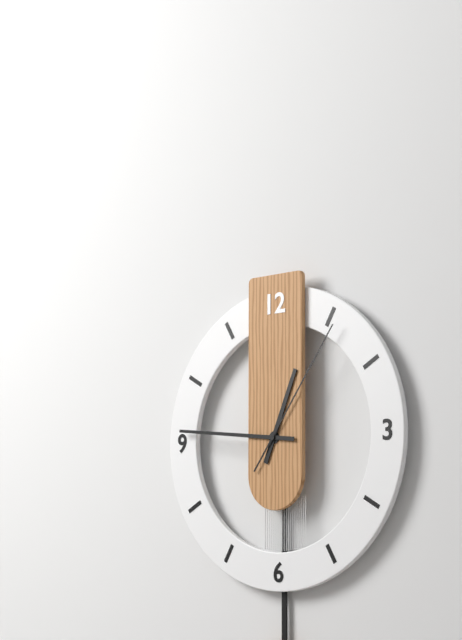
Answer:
12:46:06
